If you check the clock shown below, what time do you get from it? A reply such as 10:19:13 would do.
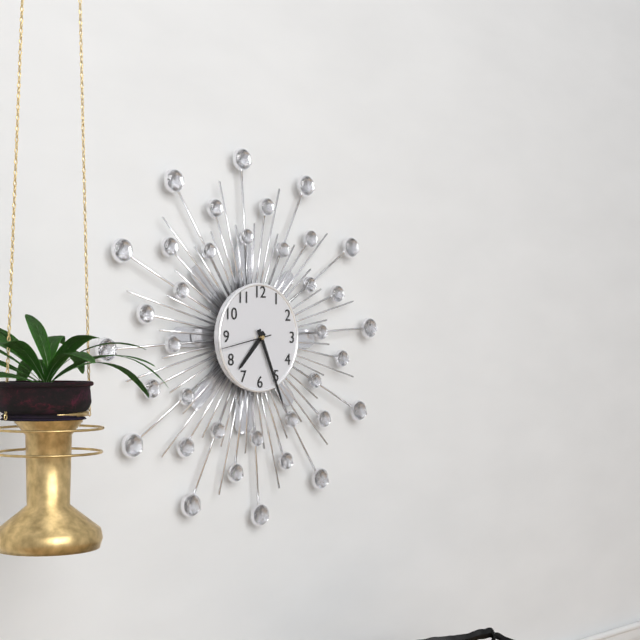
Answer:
7:26:43
